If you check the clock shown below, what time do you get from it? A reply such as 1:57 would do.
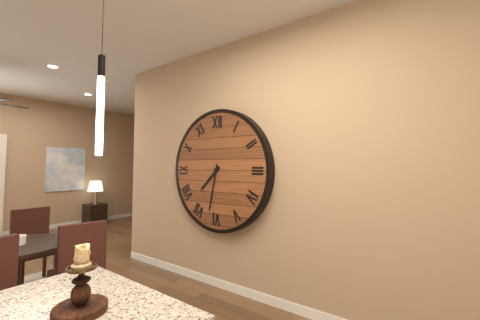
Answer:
7:32
